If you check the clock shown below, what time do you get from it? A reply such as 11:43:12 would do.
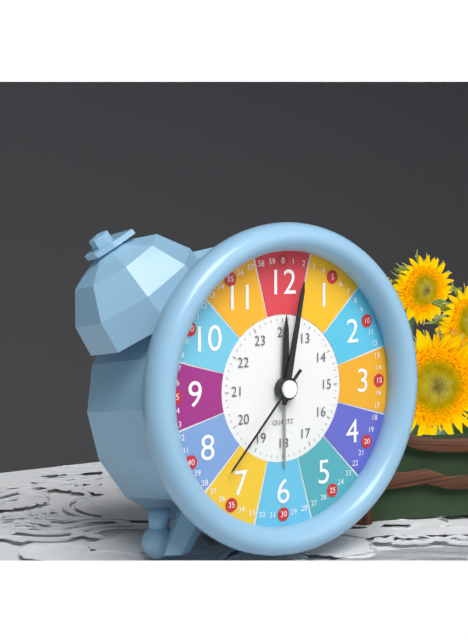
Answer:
12:02:37
